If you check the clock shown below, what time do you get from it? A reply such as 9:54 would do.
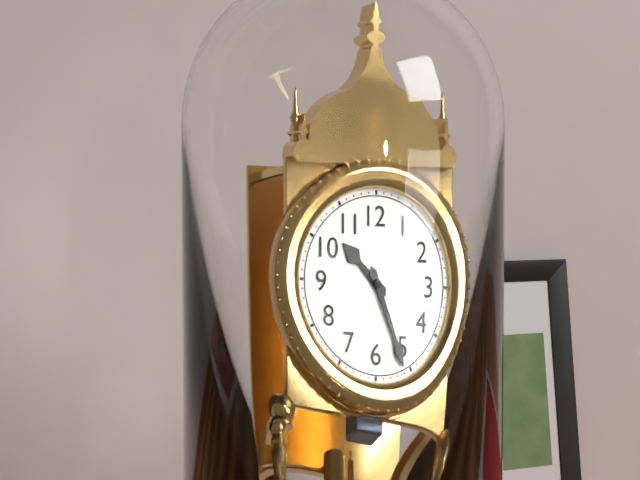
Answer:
10:26
